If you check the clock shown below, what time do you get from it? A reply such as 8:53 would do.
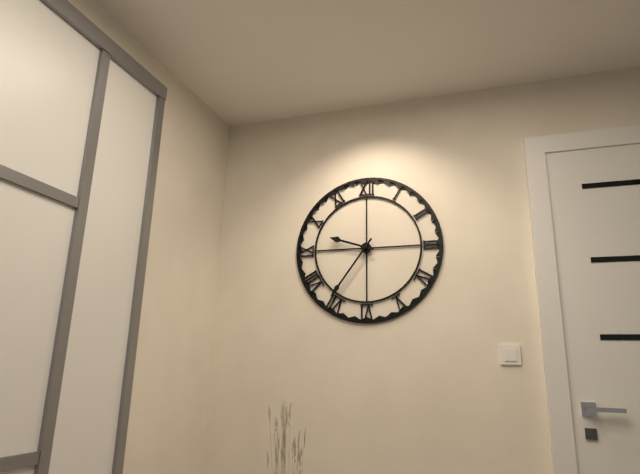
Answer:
9:36
